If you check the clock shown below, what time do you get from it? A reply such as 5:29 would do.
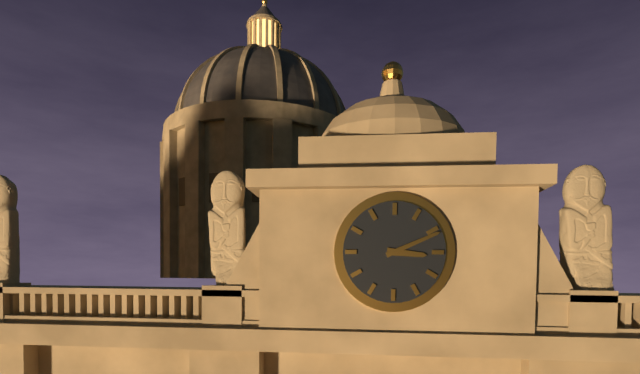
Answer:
3:11
